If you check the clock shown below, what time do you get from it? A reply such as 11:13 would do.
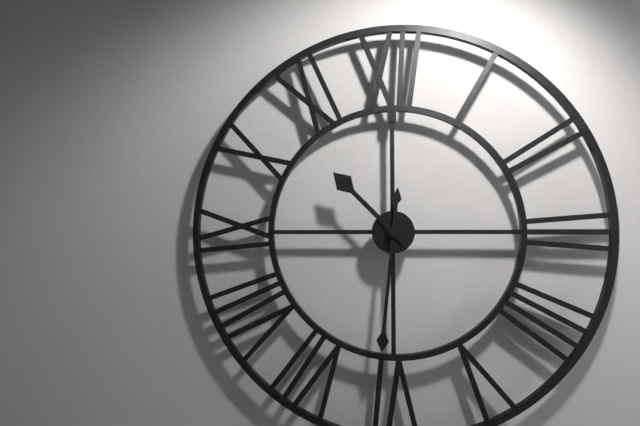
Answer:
10:31
